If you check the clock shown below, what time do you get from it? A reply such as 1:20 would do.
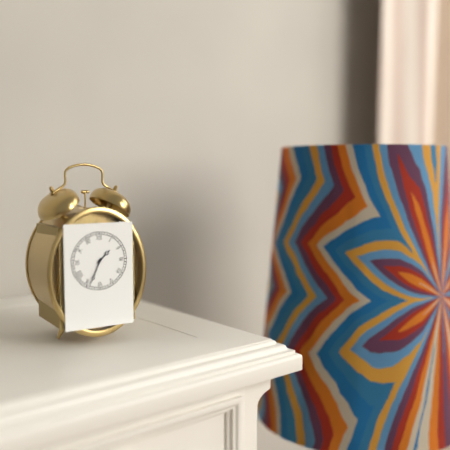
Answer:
1:34
